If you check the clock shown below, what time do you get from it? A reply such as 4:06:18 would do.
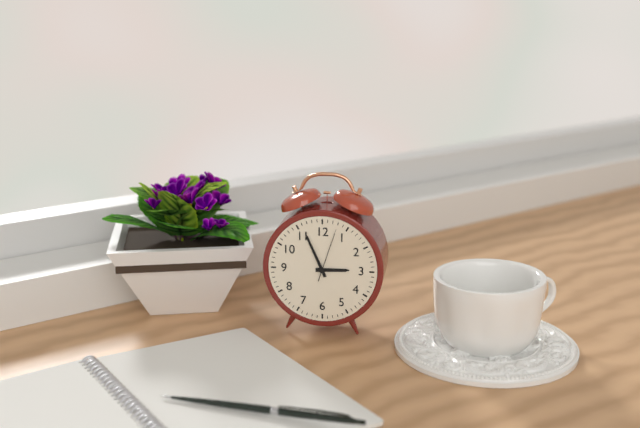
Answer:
2:56:03
